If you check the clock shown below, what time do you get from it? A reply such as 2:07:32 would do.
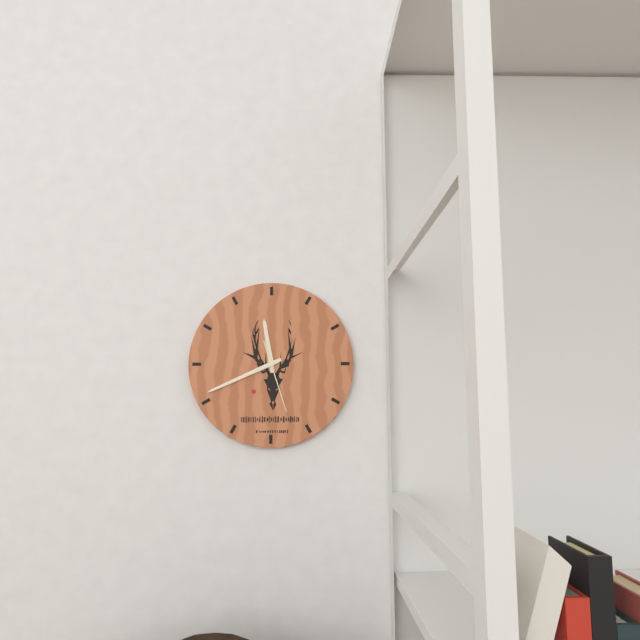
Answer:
11:41:27
